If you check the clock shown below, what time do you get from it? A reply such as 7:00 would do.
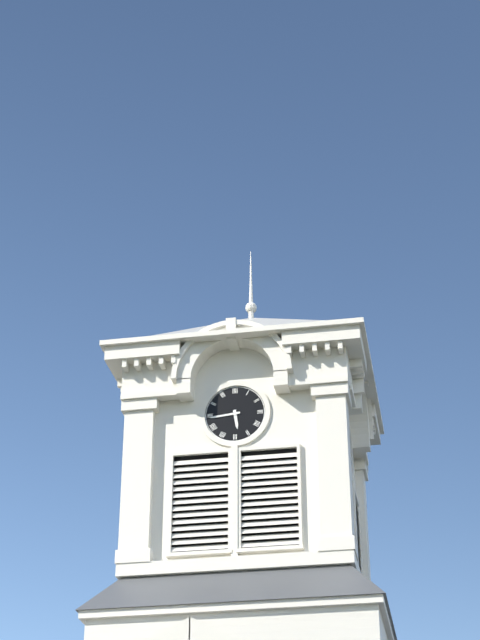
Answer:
5:44
